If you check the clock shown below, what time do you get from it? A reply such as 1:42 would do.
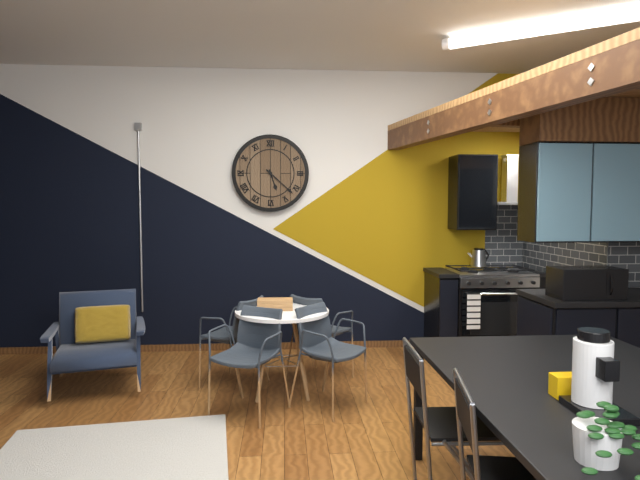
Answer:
5:22
